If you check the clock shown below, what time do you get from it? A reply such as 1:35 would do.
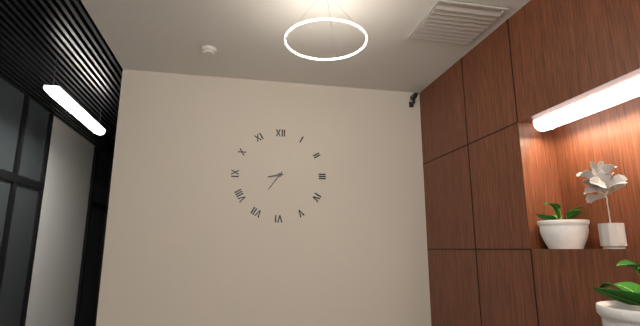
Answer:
8:36
